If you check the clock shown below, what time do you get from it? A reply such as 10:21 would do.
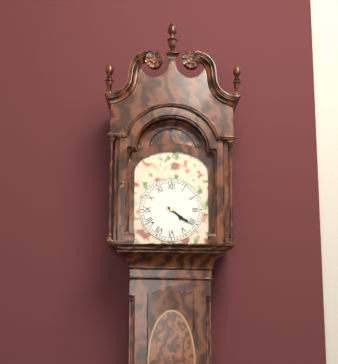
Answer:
4:21
